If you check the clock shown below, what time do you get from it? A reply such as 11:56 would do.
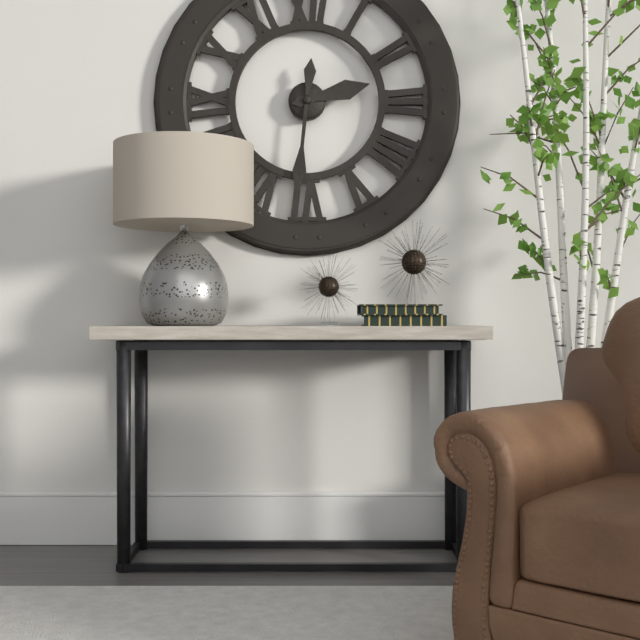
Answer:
2:31
